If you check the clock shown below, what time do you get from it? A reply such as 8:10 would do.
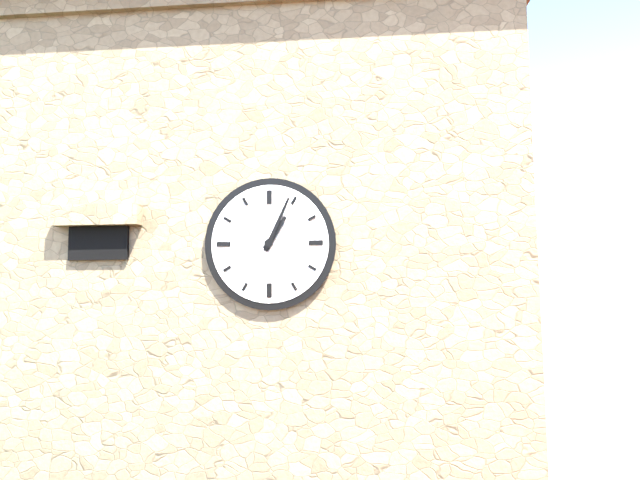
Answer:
1:04
